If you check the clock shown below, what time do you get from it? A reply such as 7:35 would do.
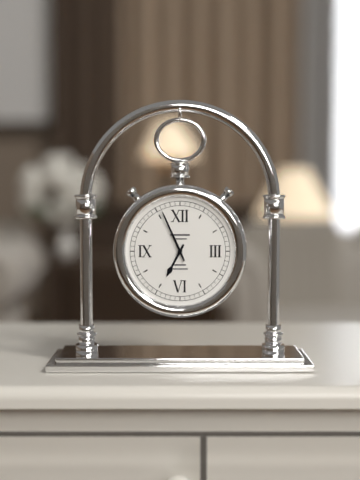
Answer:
6:56
